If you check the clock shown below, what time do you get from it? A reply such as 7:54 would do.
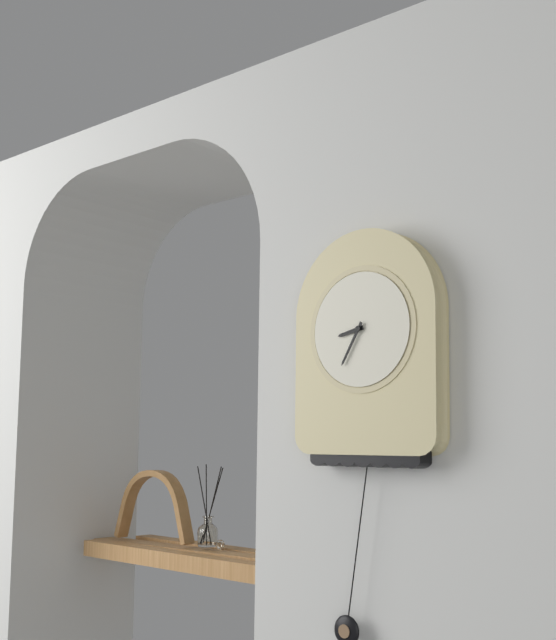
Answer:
8:35
